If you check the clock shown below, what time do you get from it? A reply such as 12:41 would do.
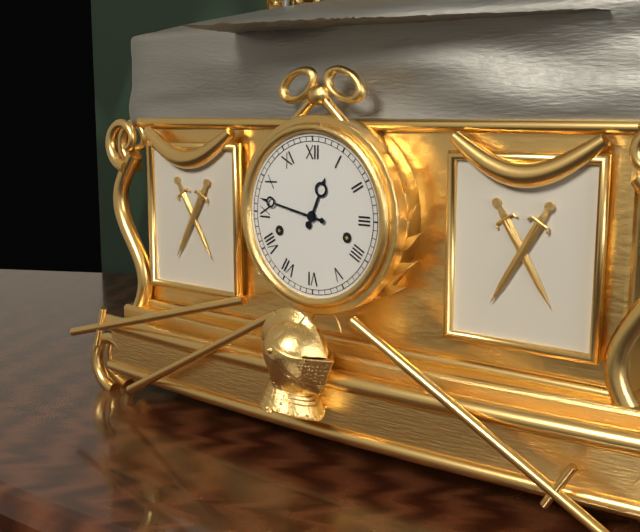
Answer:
12:47
